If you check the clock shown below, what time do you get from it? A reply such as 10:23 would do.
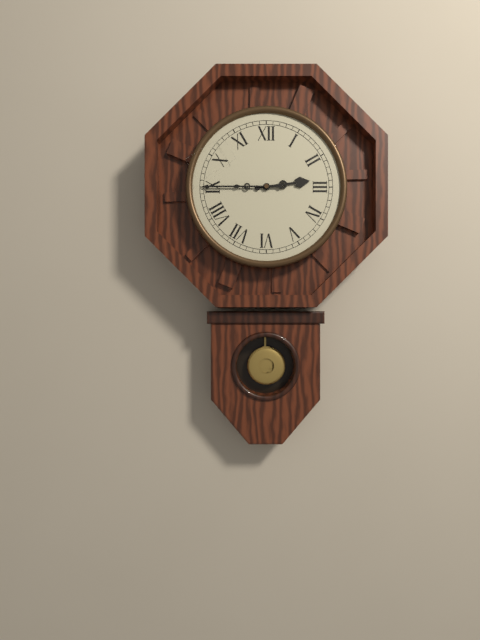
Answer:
2:45
